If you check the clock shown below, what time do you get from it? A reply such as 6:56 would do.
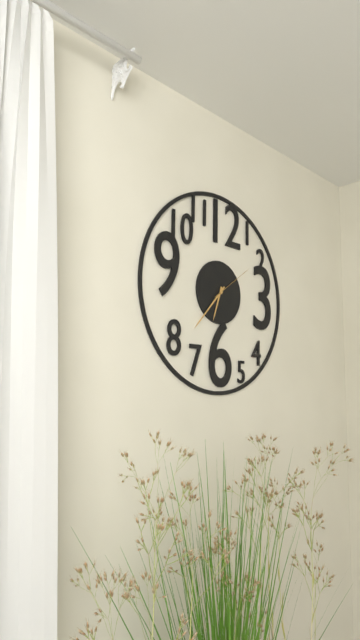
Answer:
6:37
